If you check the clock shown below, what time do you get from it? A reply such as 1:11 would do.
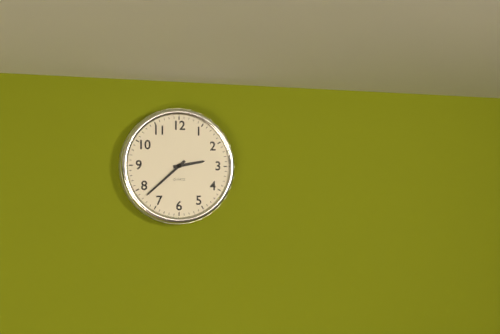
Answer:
2:38
